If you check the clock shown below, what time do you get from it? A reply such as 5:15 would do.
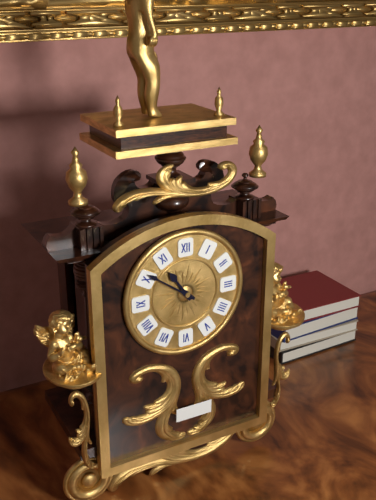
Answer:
10:51
